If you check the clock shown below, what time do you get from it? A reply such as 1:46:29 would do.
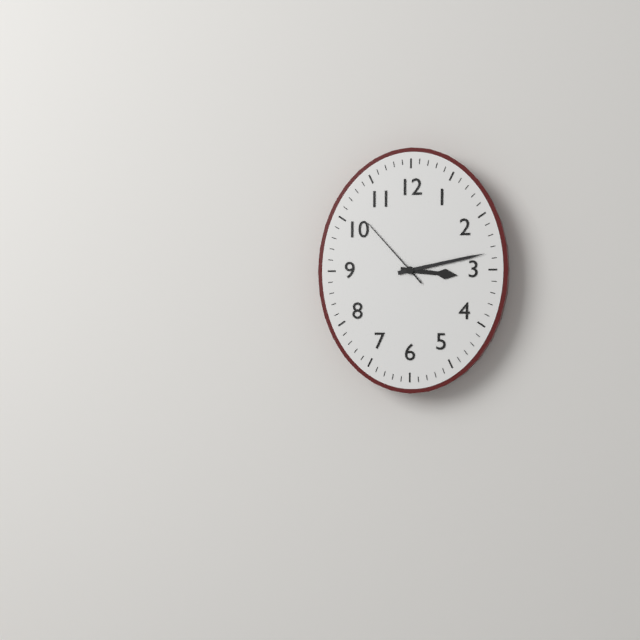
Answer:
3:13:53
